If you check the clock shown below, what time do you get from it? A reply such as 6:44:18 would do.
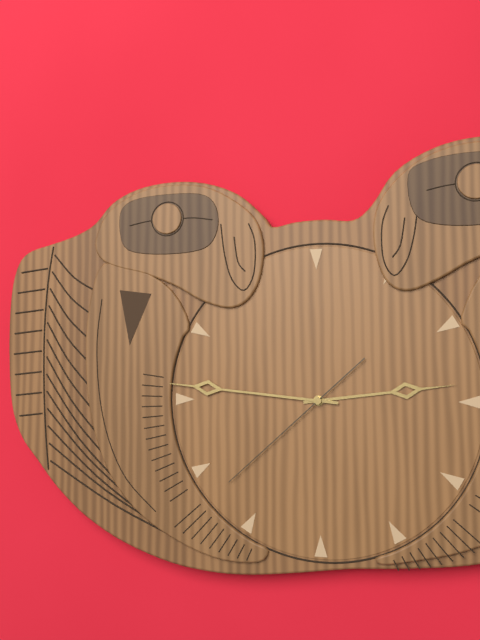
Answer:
2:46:38
